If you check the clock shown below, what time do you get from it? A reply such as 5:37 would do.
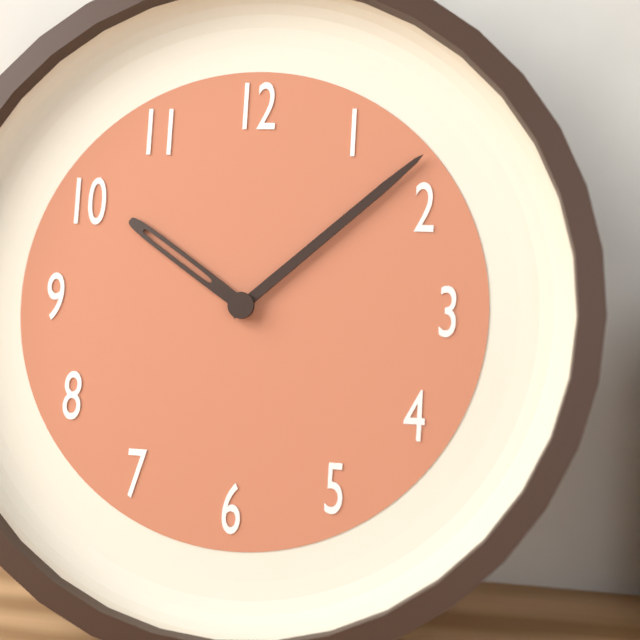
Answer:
10:08
